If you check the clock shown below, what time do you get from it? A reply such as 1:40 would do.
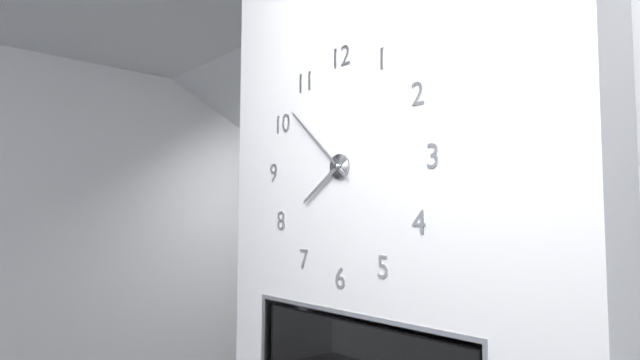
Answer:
7:52
